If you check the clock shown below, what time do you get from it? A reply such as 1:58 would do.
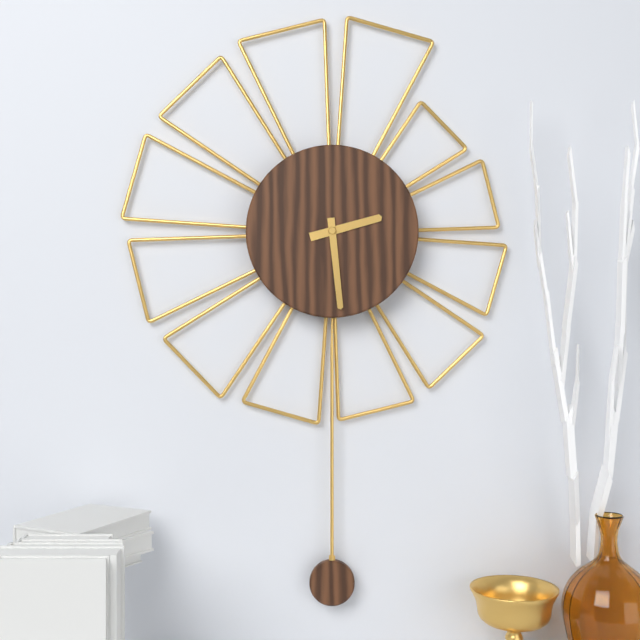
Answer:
2:29
